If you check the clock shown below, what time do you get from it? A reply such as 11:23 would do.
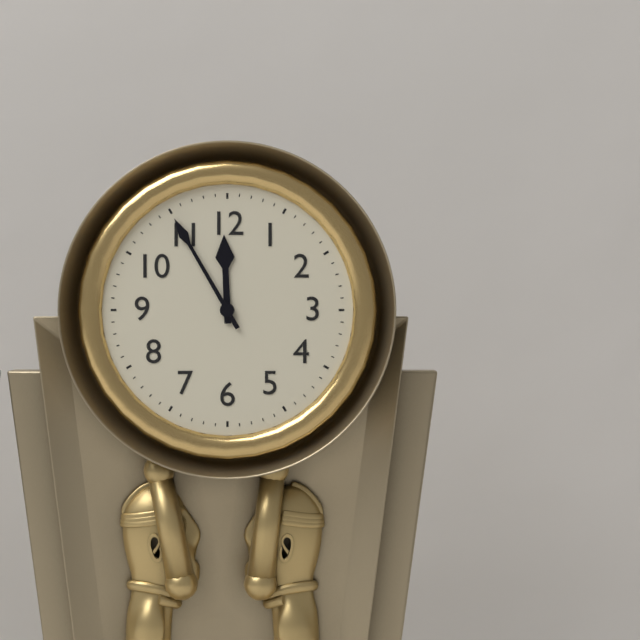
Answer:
11:55
